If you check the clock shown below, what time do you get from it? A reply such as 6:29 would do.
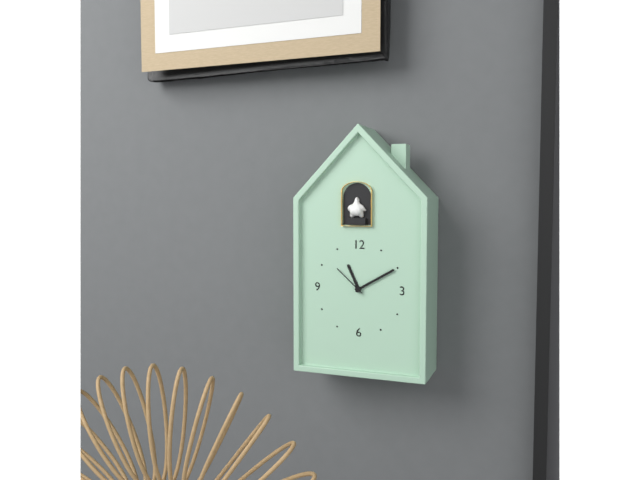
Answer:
11:10
